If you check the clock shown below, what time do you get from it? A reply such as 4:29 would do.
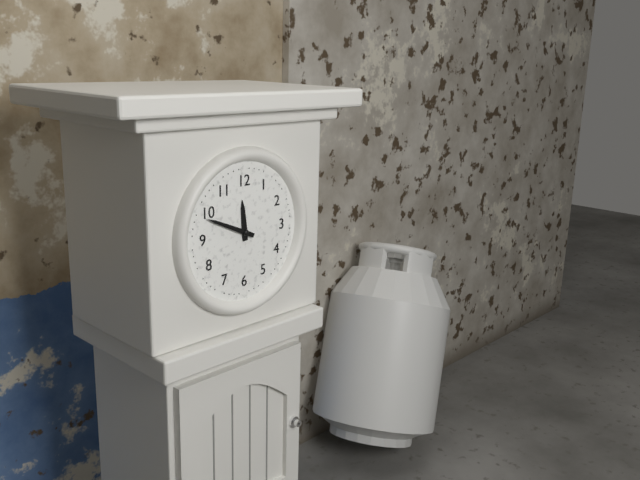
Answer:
11:49
